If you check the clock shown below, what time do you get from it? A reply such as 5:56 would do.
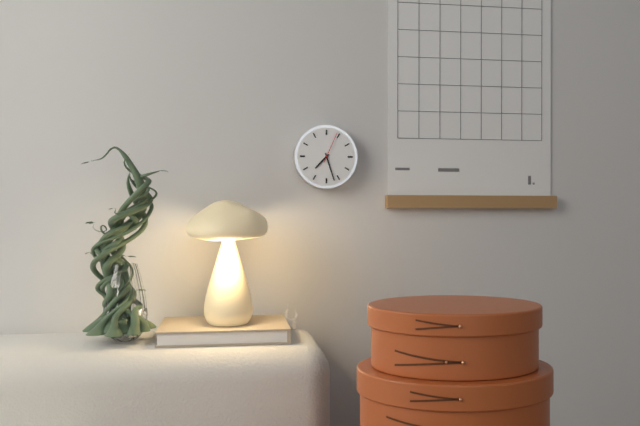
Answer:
7:27
